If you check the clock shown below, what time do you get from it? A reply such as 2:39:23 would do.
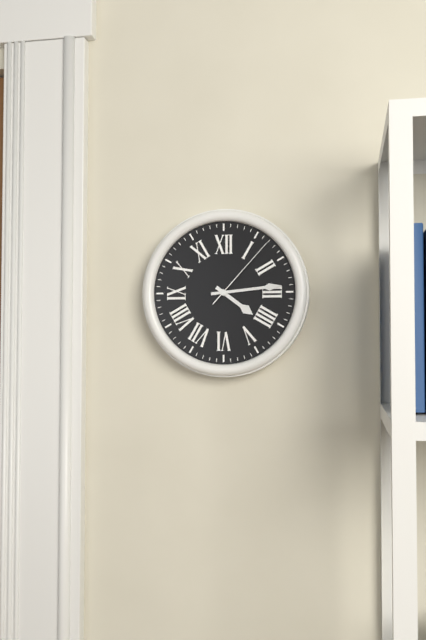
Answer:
4:14:07
